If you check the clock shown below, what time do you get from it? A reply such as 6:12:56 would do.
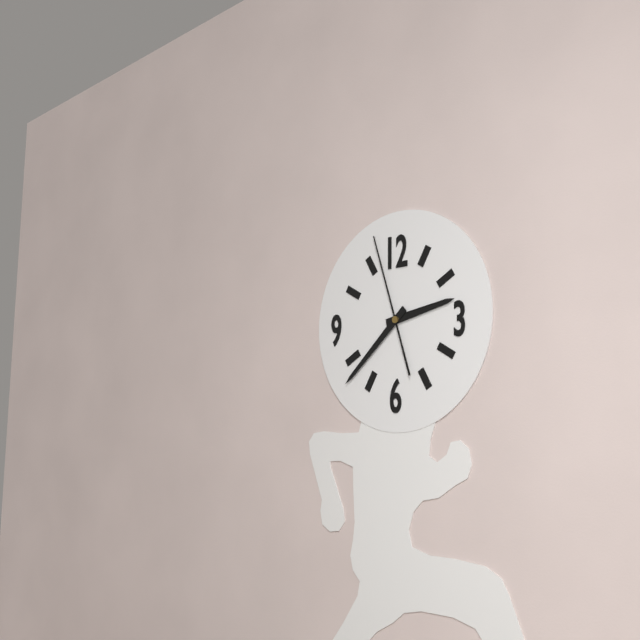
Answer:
2:38:57
